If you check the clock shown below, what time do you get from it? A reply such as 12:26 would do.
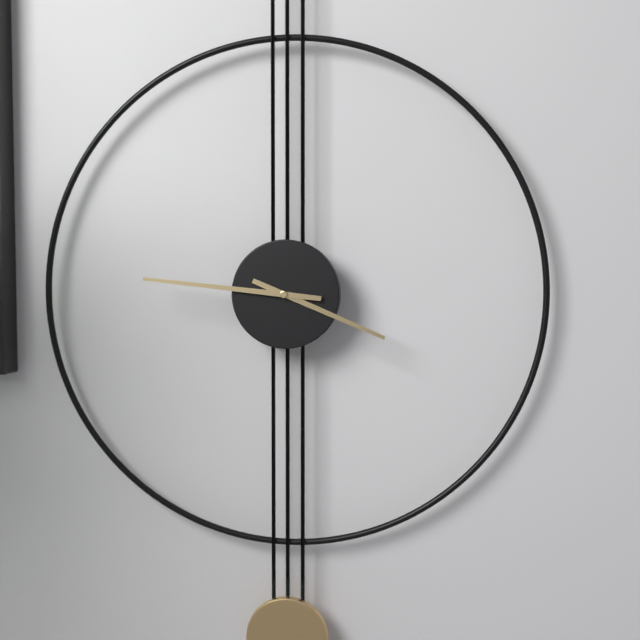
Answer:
3:46
